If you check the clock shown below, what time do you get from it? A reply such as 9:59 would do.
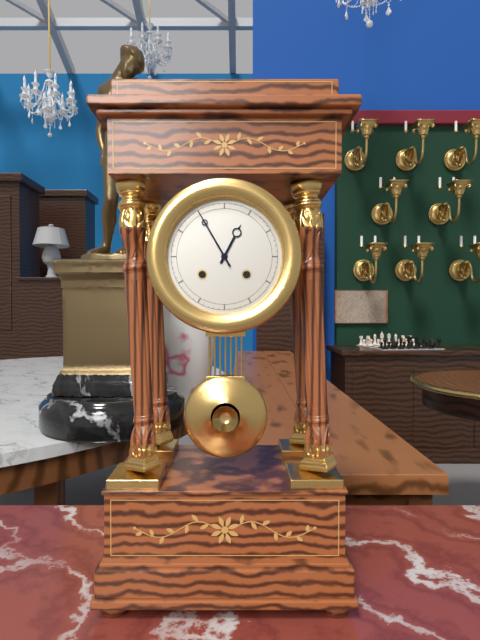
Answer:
12:55
